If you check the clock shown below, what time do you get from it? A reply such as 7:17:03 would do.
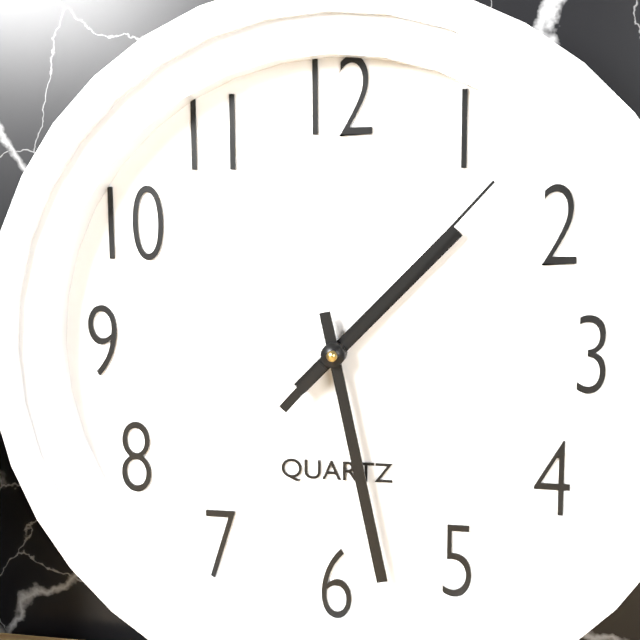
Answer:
1:28:07
